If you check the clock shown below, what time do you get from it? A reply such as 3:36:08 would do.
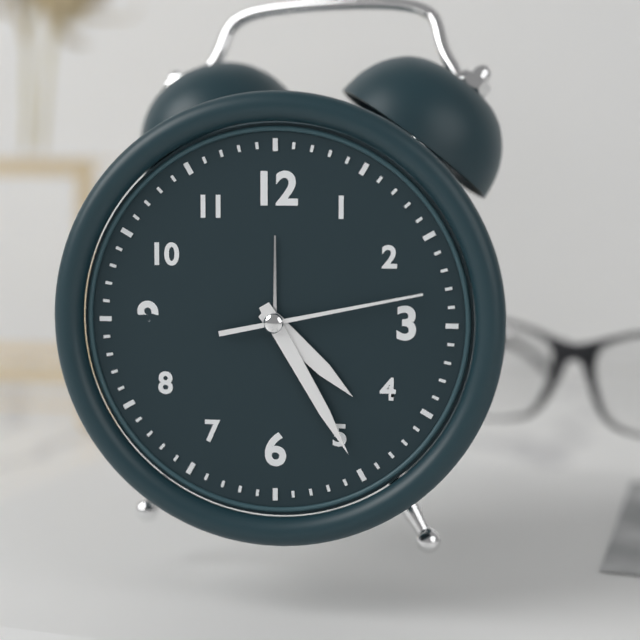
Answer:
4:25:13
